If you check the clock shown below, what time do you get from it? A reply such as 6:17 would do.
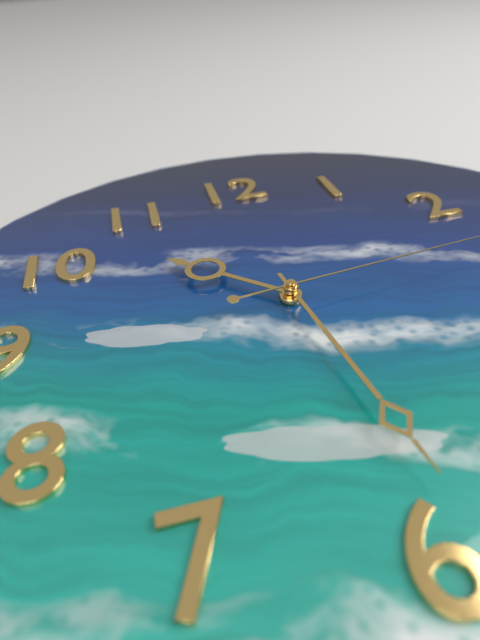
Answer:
10:29
